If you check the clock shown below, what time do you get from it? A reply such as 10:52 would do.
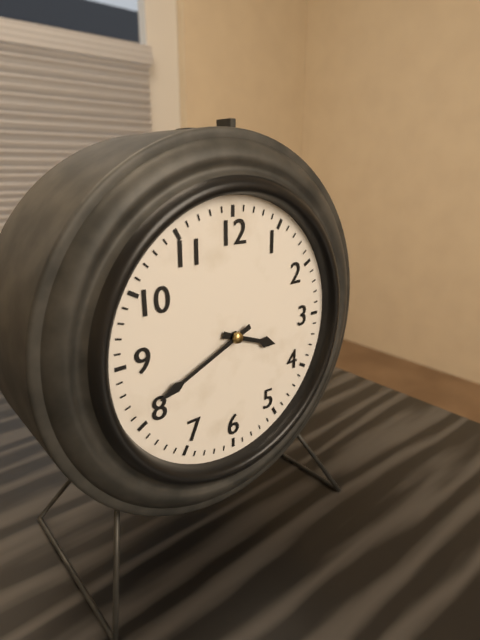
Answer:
3:41
